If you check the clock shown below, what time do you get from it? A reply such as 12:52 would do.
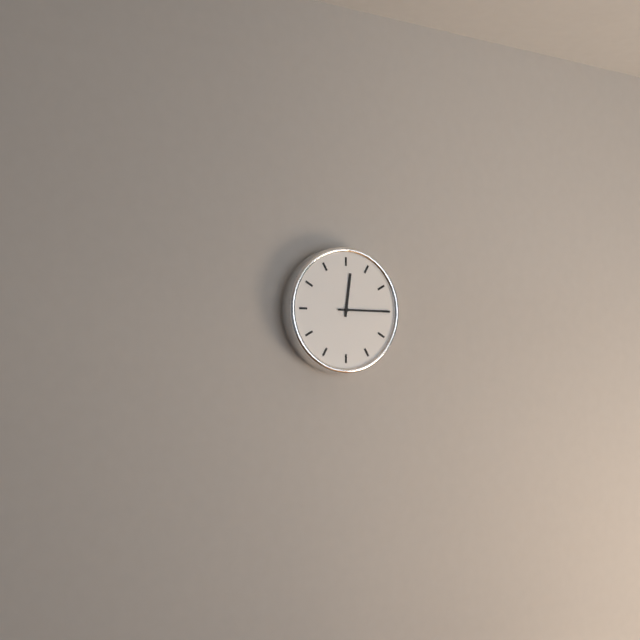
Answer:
12:15
